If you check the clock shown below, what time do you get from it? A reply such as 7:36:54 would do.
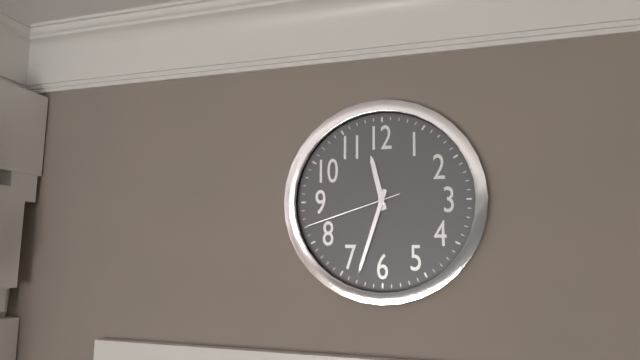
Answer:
11:33:42
